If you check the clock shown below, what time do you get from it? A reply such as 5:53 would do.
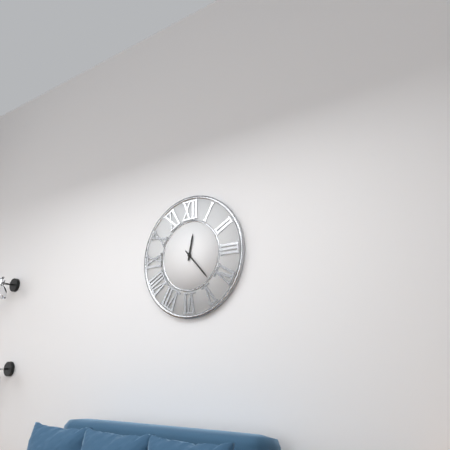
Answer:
12:23
